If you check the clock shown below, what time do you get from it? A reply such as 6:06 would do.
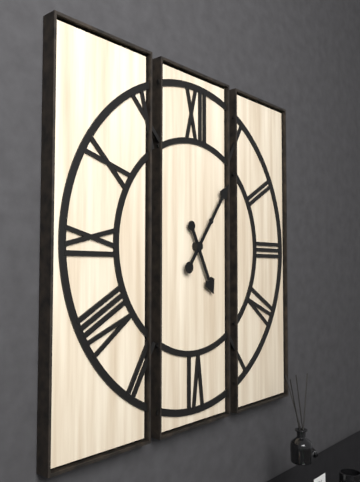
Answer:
5:06
